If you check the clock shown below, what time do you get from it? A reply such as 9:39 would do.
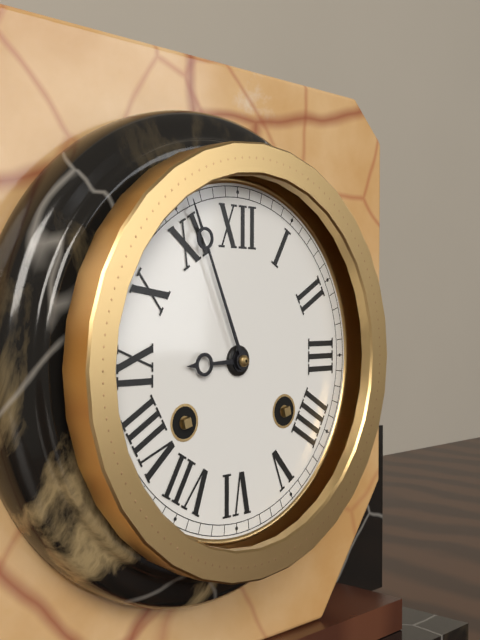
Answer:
8:56
